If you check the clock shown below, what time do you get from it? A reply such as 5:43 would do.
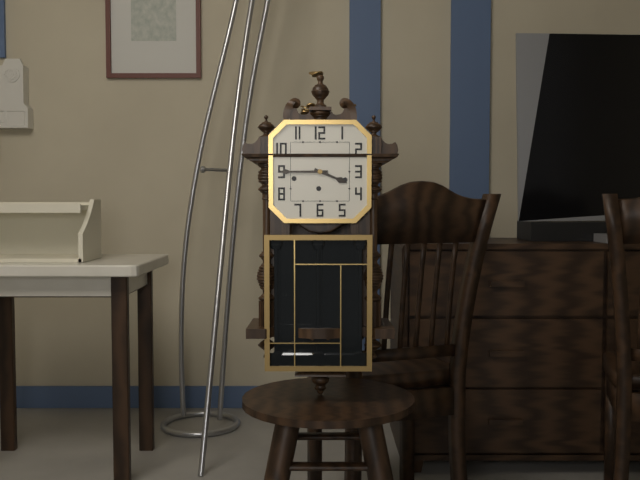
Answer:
3:45
